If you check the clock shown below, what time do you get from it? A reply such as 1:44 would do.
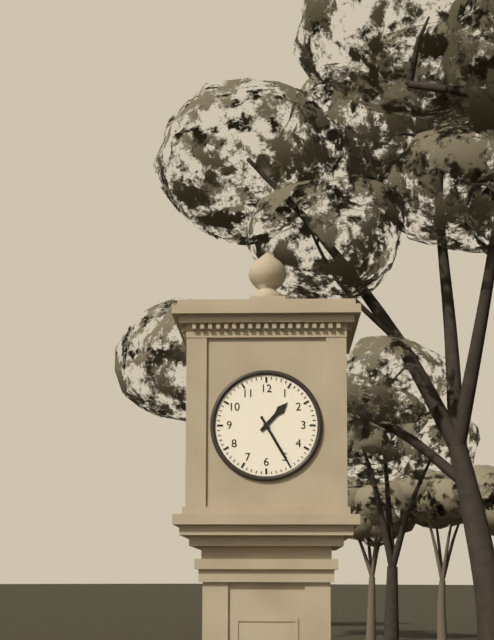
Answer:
1:25
